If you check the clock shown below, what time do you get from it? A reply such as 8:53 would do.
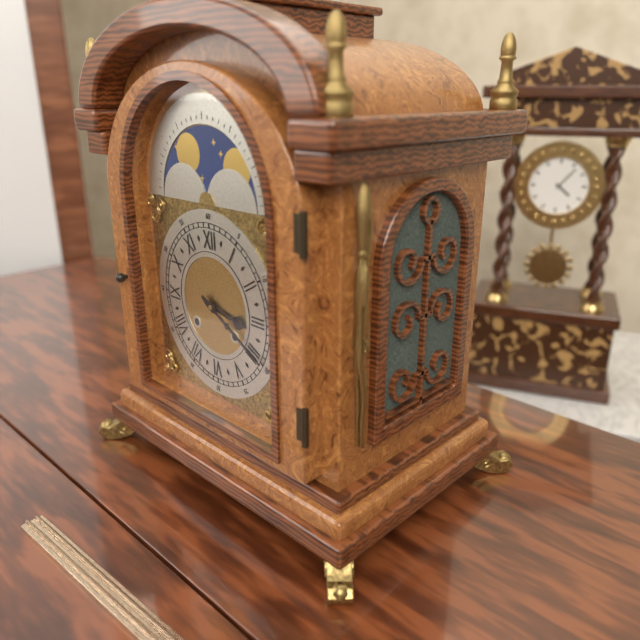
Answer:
3:20
